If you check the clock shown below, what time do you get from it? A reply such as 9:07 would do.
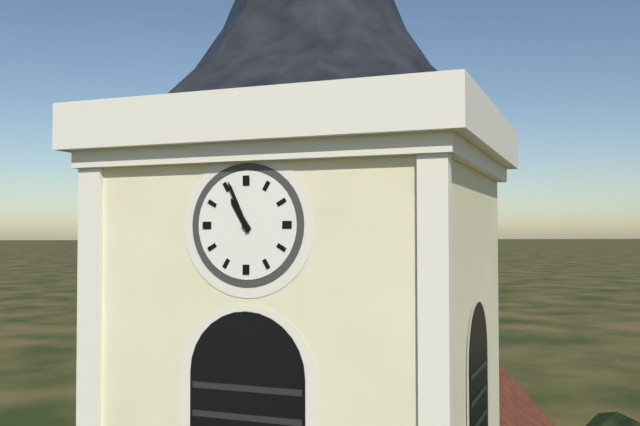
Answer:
10:56
